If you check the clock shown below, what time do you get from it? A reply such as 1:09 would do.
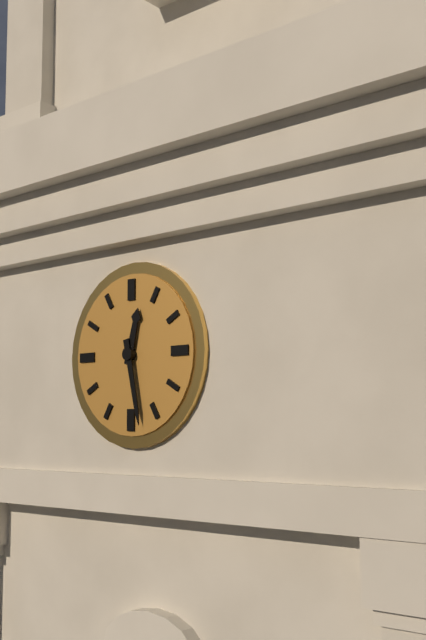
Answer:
12:28
